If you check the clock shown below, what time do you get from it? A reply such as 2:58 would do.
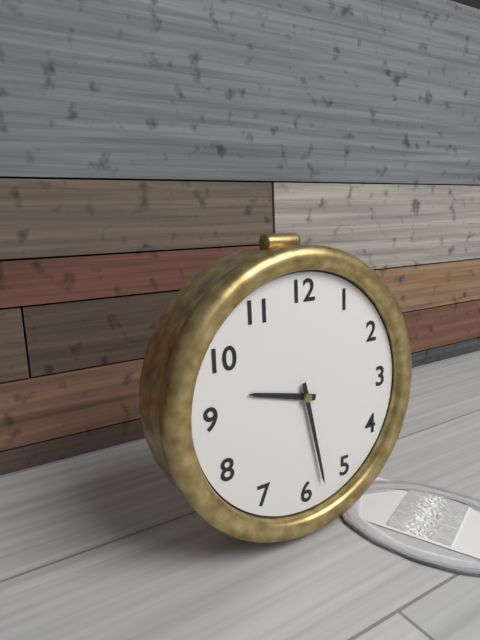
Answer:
9:28
